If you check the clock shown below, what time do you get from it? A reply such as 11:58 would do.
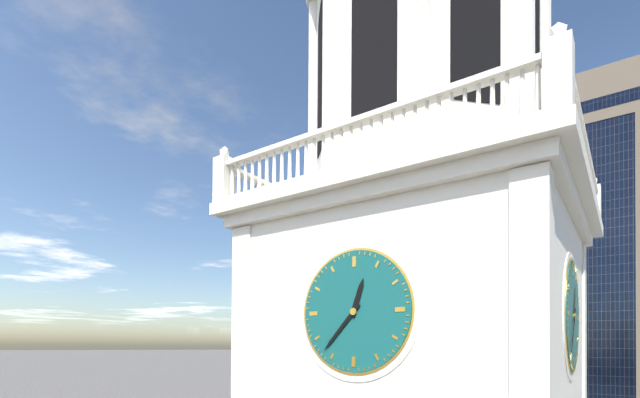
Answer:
12:37
